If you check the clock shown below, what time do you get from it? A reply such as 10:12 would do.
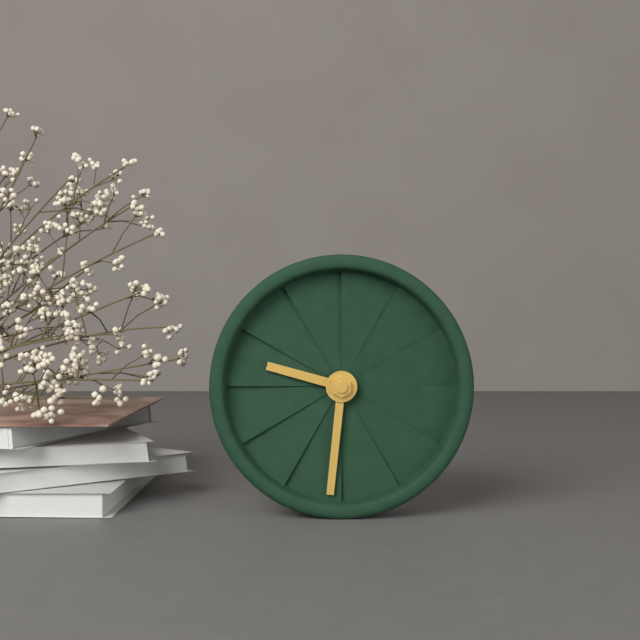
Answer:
9:31
